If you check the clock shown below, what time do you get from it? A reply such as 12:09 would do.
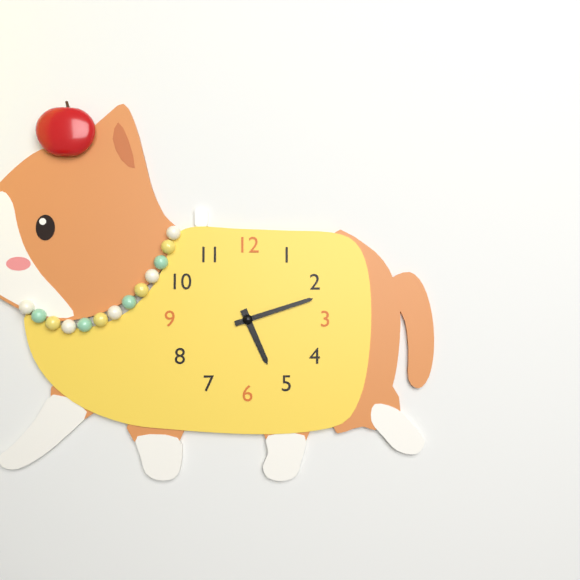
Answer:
5:12
